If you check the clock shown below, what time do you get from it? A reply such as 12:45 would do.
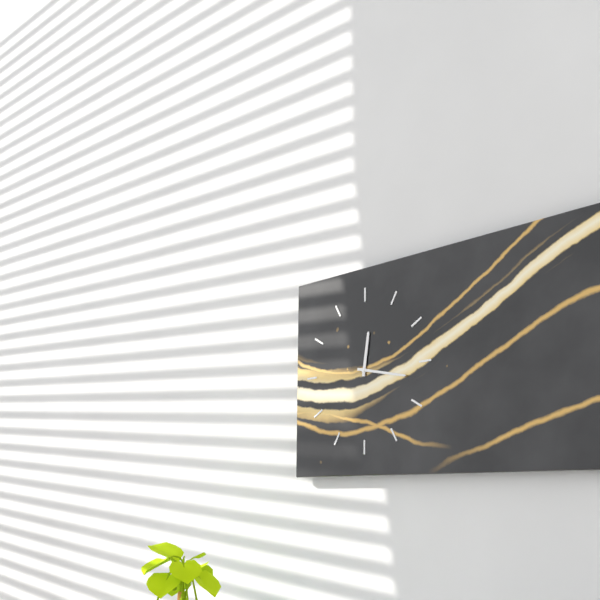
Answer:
12:17
